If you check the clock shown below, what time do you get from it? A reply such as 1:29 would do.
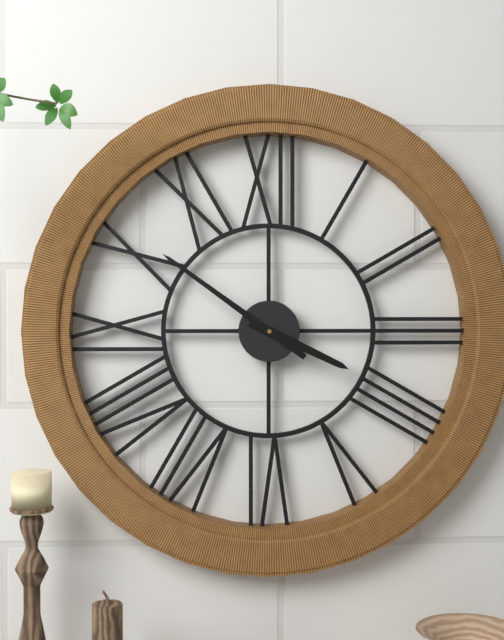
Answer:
3:51
